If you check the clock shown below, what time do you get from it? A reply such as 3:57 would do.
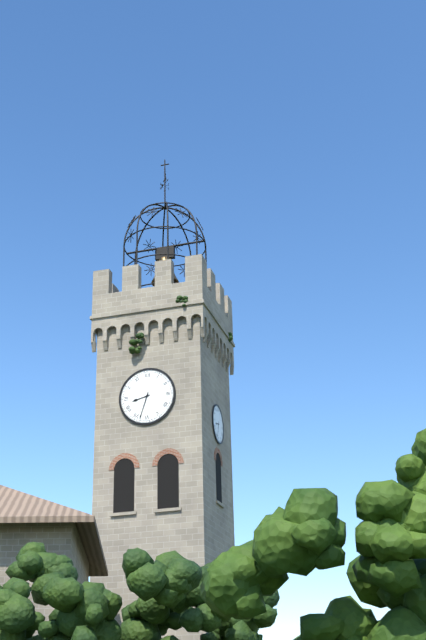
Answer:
8:33
